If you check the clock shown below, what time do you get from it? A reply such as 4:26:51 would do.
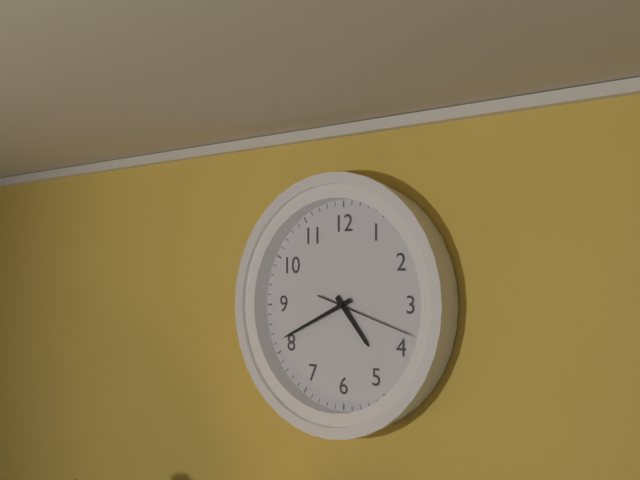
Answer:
4:41:18
